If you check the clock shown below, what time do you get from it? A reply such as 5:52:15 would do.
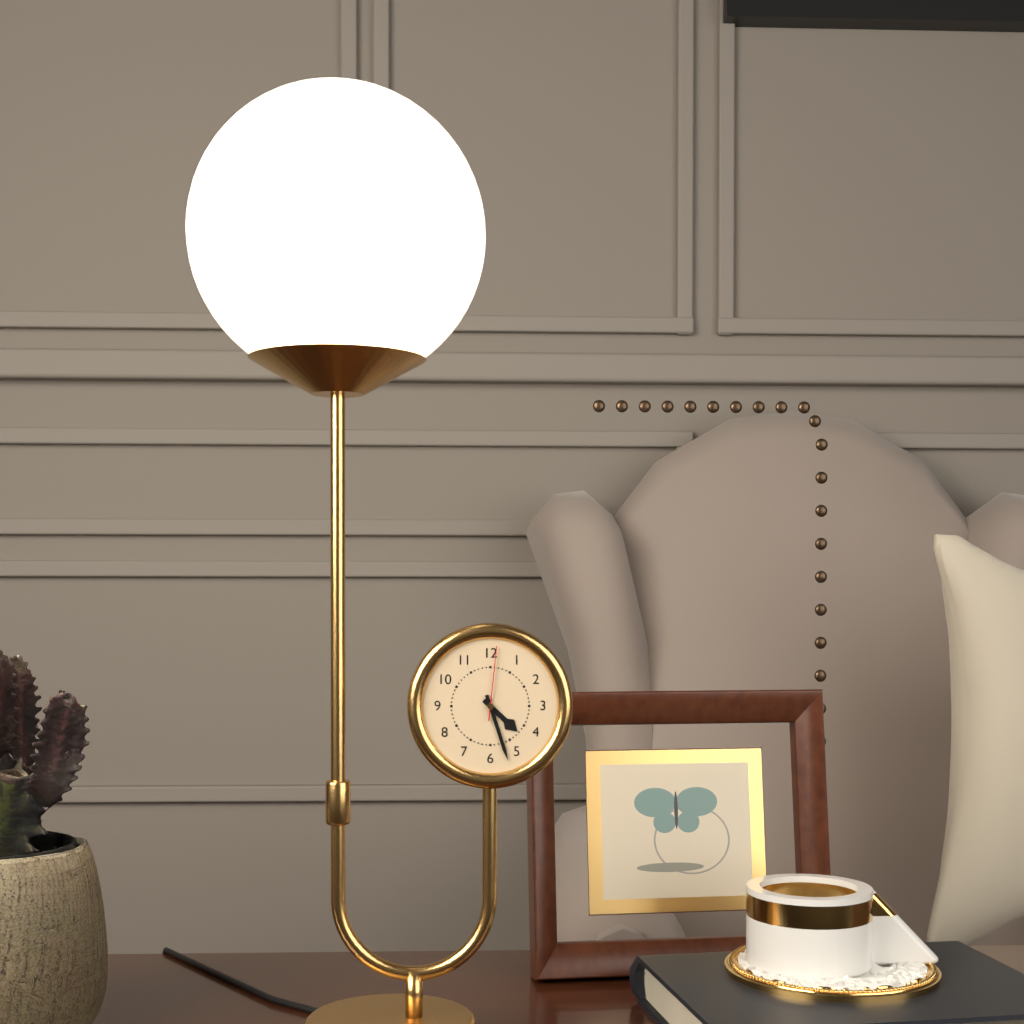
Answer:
4:27:01
